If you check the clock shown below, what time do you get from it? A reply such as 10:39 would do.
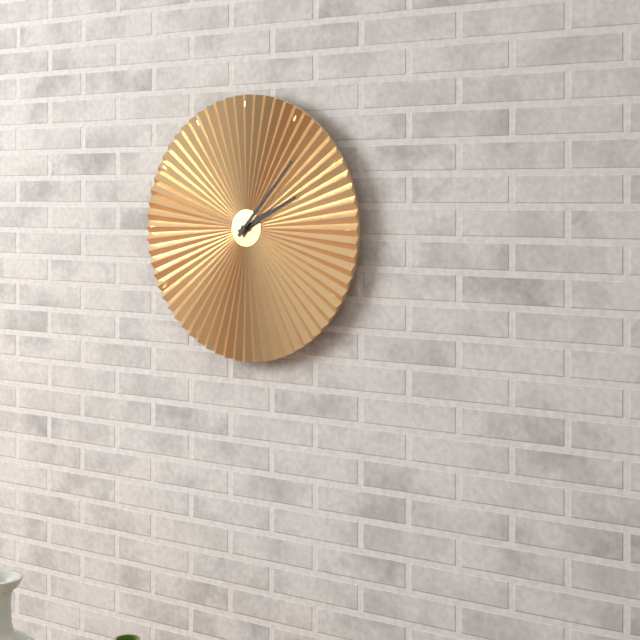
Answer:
2:07
